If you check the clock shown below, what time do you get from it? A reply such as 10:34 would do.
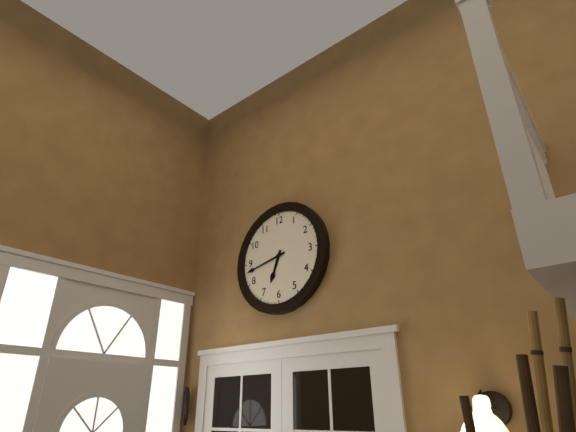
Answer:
6:43
